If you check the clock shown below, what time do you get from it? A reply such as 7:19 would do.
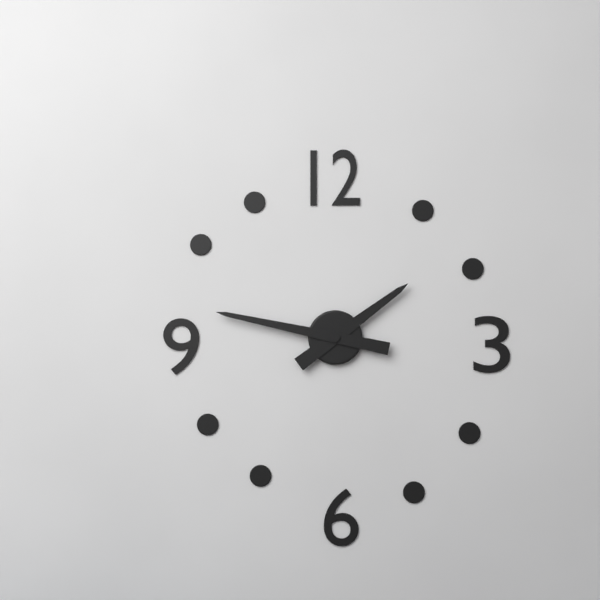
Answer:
1:47
